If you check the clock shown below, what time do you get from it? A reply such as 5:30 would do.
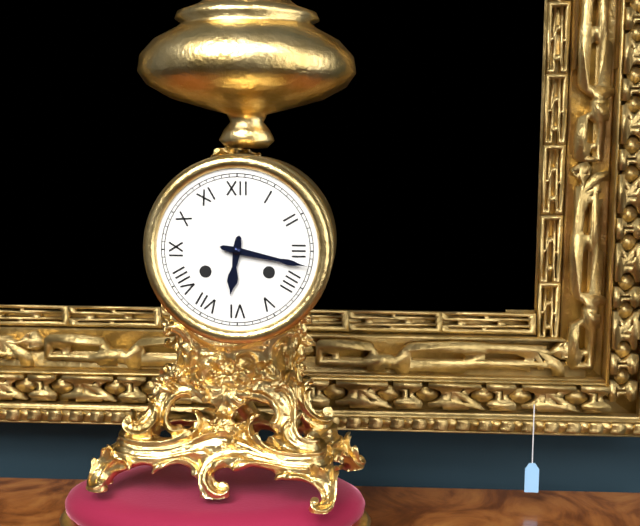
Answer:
6:17
